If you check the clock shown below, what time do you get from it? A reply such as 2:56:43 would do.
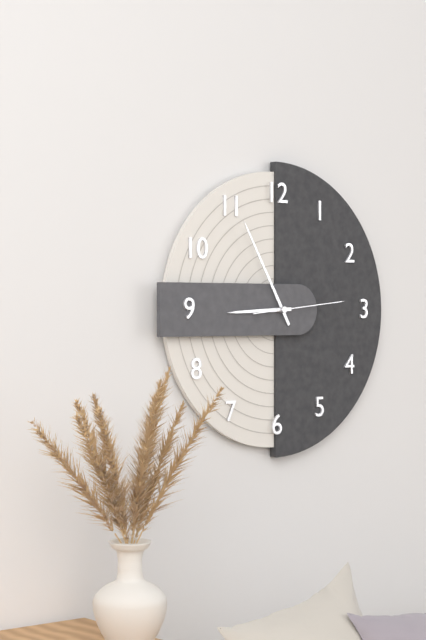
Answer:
8:55:14
